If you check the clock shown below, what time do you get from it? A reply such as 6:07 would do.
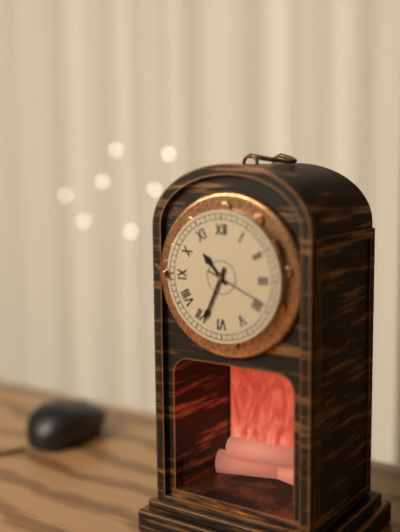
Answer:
10:34
